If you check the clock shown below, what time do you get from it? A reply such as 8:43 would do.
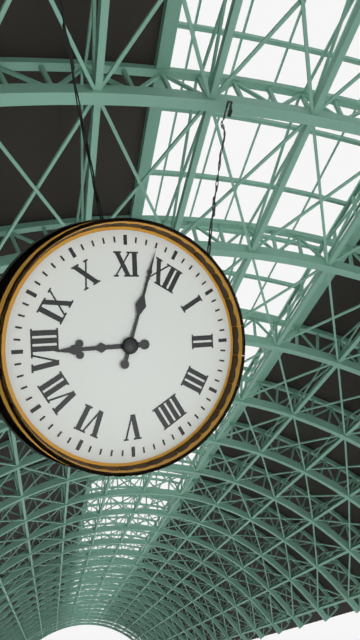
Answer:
7:58
